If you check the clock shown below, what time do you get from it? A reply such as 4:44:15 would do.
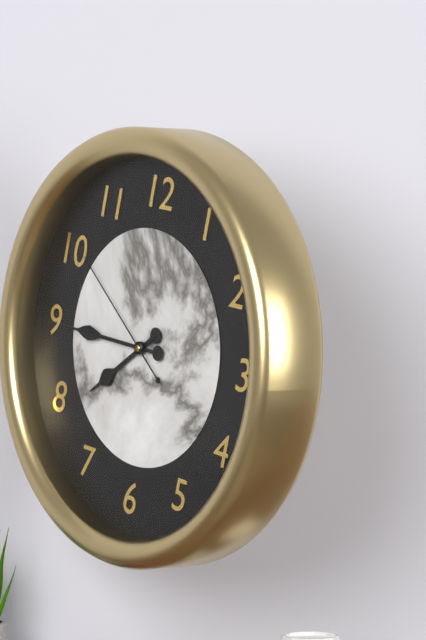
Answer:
7:45:51
